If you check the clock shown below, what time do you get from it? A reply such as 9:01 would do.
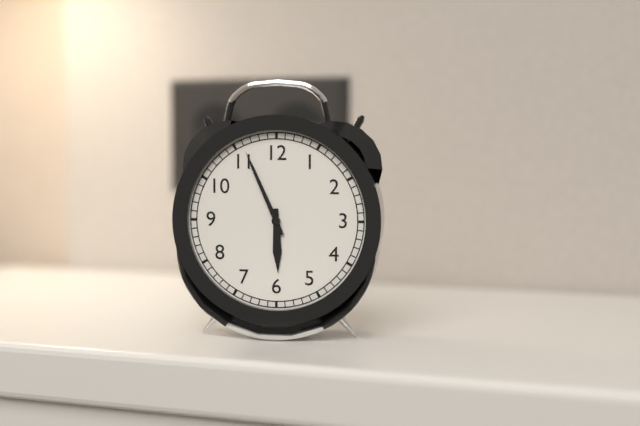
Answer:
5:56
